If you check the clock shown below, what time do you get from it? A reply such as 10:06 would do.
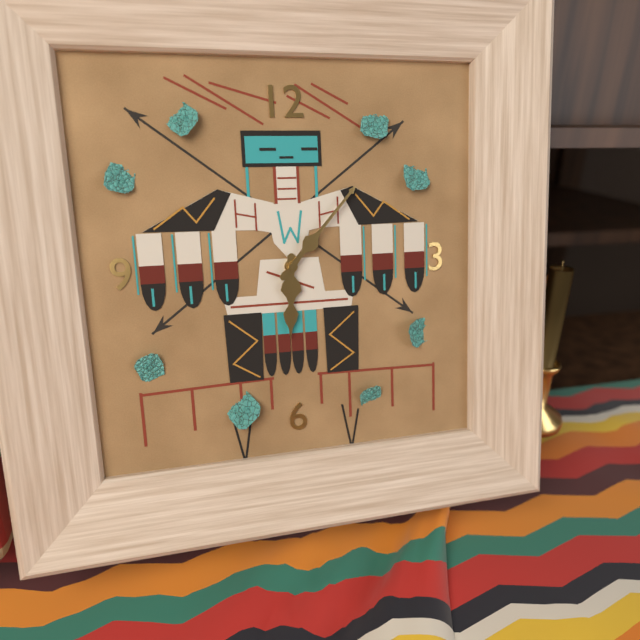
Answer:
6:07
